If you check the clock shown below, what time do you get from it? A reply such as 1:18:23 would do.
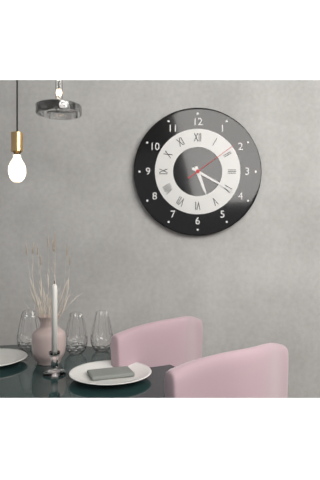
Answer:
5:20:09
